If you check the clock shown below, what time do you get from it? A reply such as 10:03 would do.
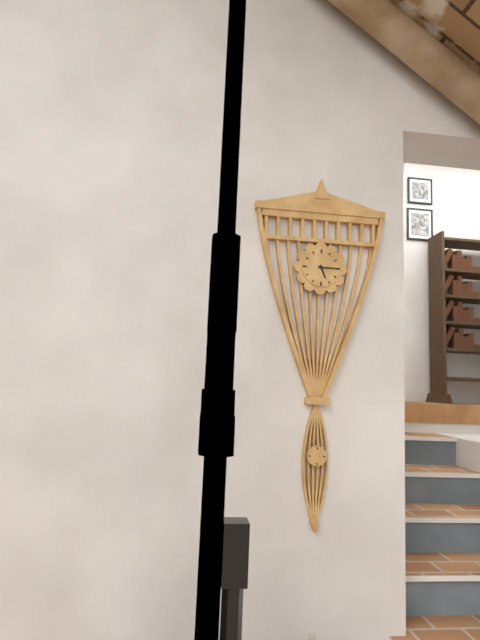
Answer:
5:15
